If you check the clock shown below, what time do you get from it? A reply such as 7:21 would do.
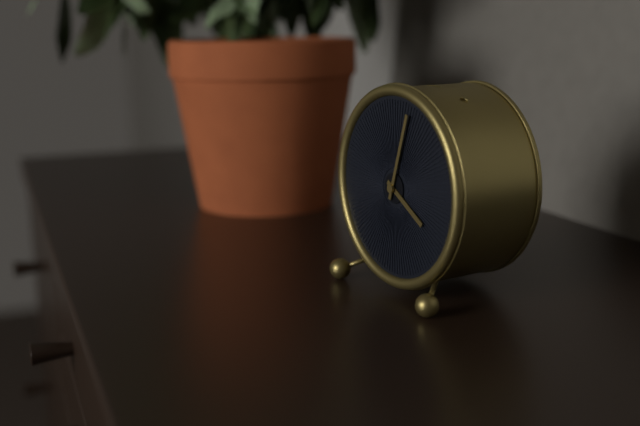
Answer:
4:03
